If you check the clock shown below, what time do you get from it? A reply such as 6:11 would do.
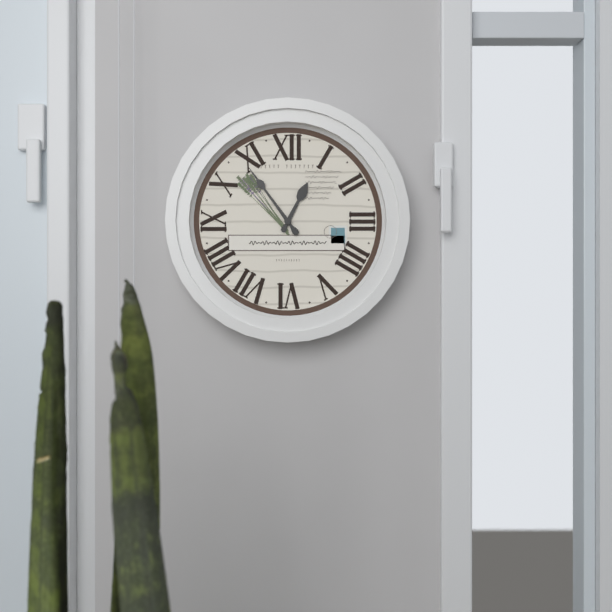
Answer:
12:54
